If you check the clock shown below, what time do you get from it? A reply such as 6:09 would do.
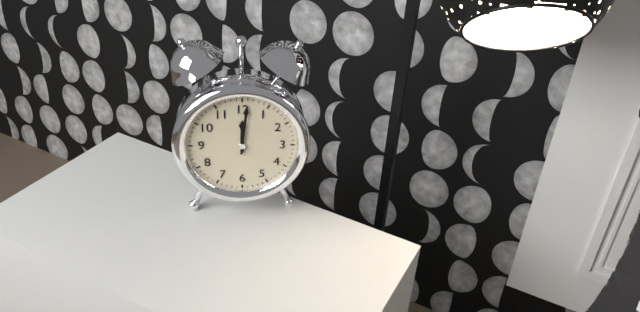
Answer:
12:01
